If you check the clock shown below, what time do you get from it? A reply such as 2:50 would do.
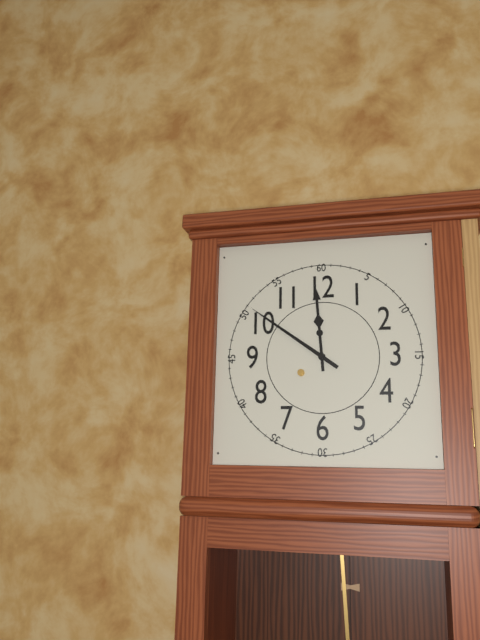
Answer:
11:51
